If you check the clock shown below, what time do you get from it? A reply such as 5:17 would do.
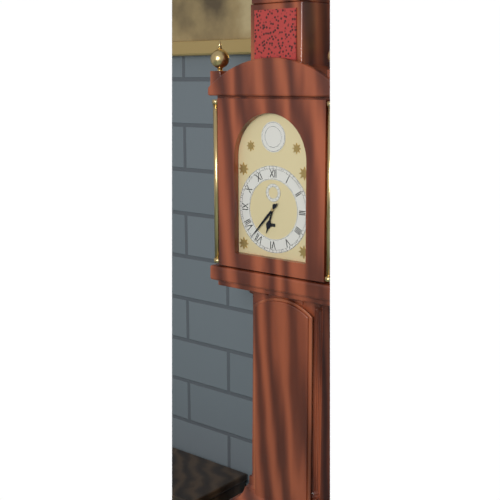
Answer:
6:37
